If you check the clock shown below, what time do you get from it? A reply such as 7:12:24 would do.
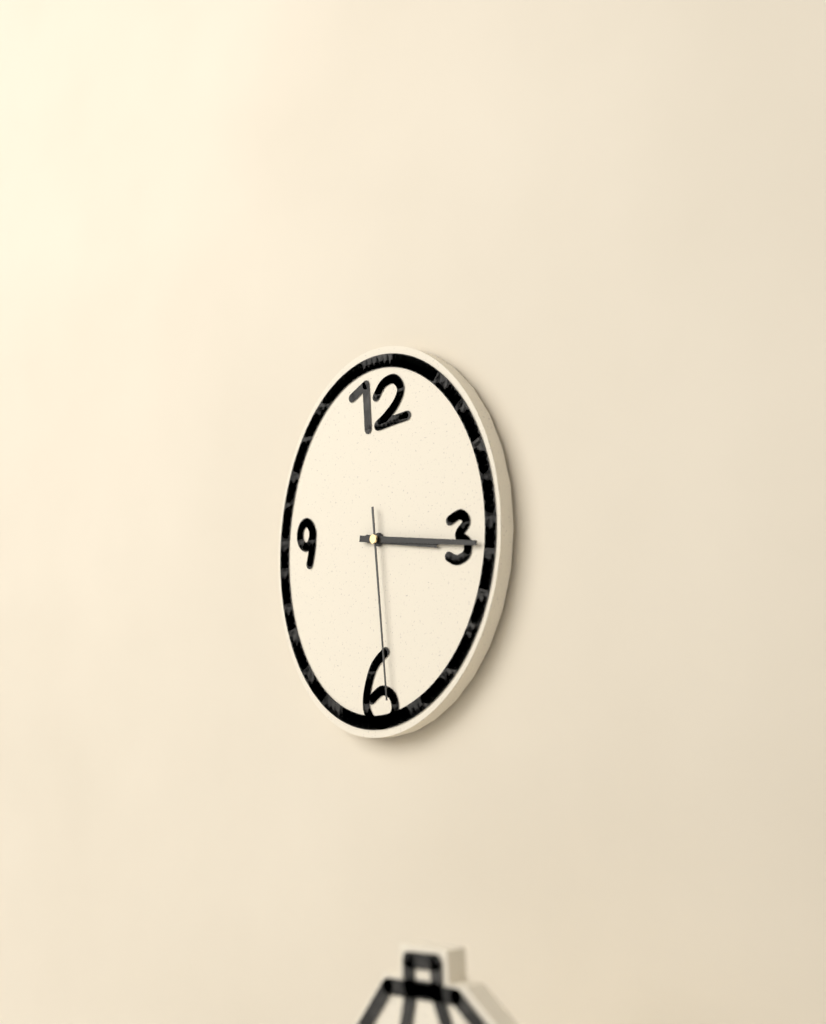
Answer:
3:16:29
